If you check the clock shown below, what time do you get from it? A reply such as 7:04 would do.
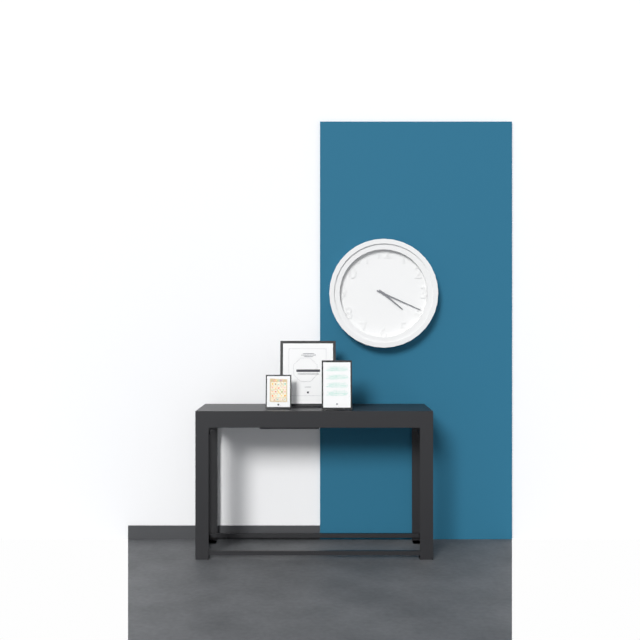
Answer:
4:19
